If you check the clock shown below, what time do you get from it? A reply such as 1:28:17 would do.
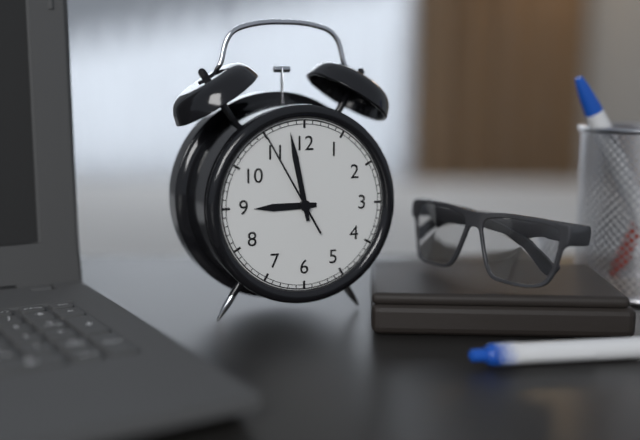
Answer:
8:58:55
